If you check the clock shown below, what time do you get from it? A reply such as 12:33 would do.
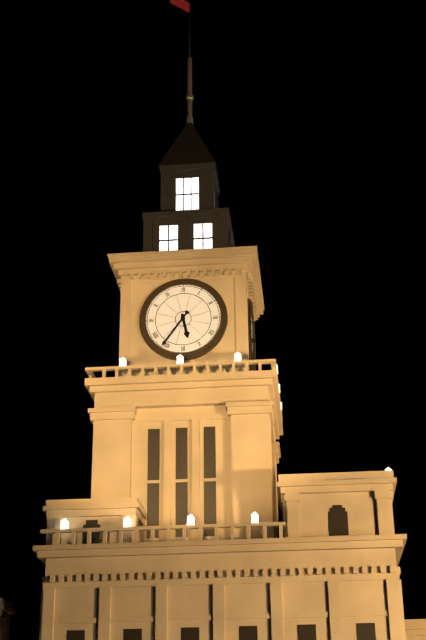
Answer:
5:36
